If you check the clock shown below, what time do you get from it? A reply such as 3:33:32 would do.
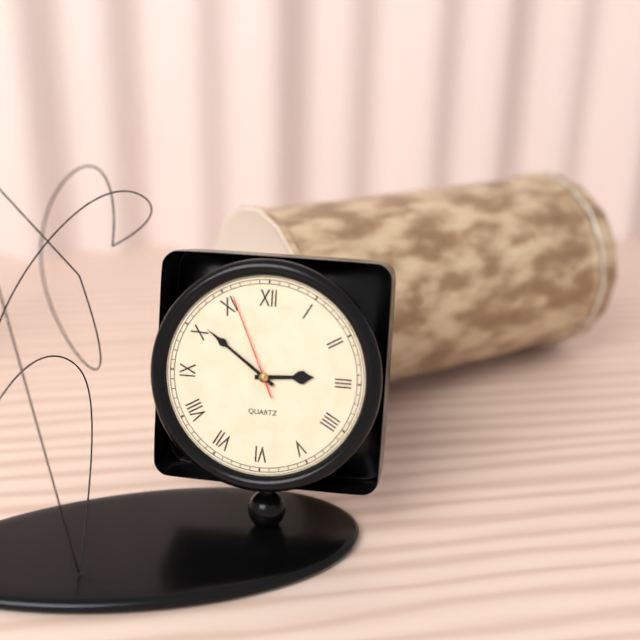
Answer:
2:51:56
